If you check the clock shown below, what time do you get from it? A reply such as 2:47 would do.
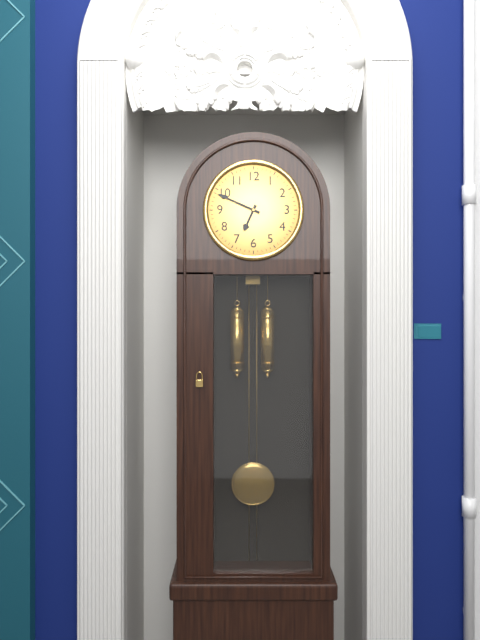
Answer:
6:49
